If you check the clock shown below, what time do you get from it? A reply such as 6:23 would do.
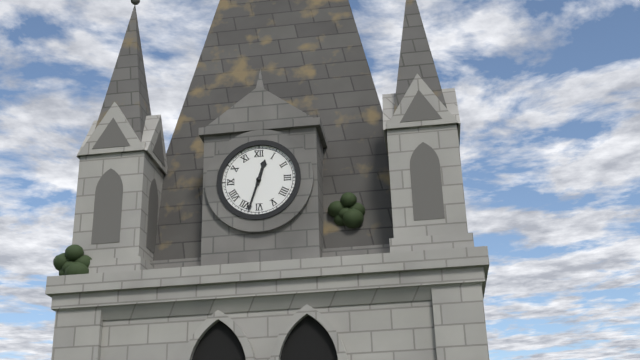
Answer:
12:33
